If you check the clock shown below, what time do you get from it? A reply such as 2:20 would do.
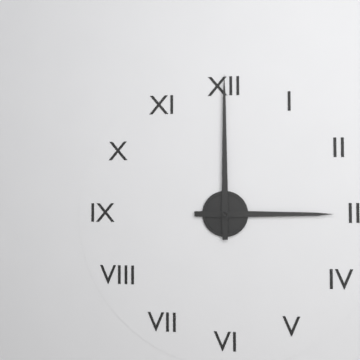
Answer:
3:00
